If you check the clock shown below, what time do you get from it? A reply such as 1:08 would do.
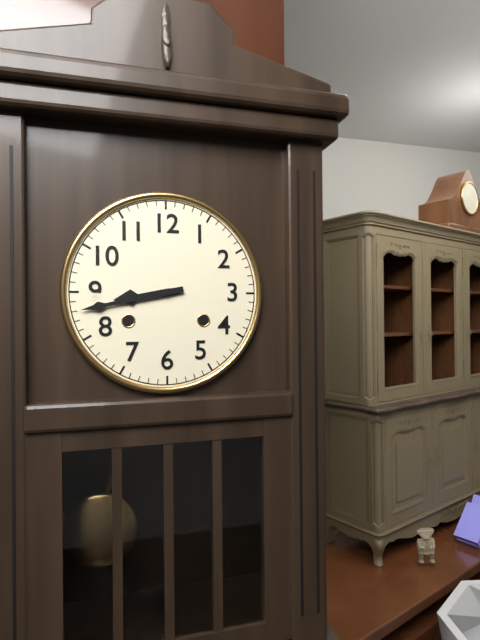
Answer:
8:43
